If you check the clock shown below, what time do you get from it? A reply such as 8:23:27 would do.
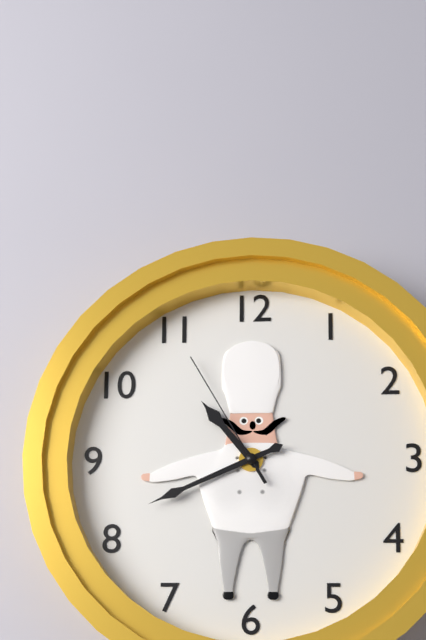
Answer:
10:41:55
